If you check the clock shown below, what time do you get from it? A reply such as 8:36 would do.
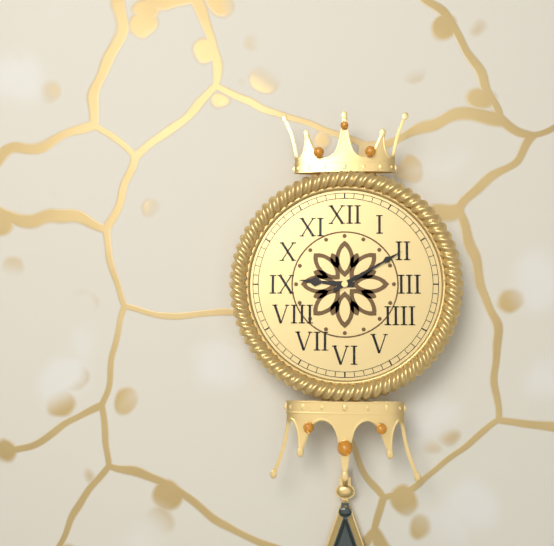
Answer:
9:10
